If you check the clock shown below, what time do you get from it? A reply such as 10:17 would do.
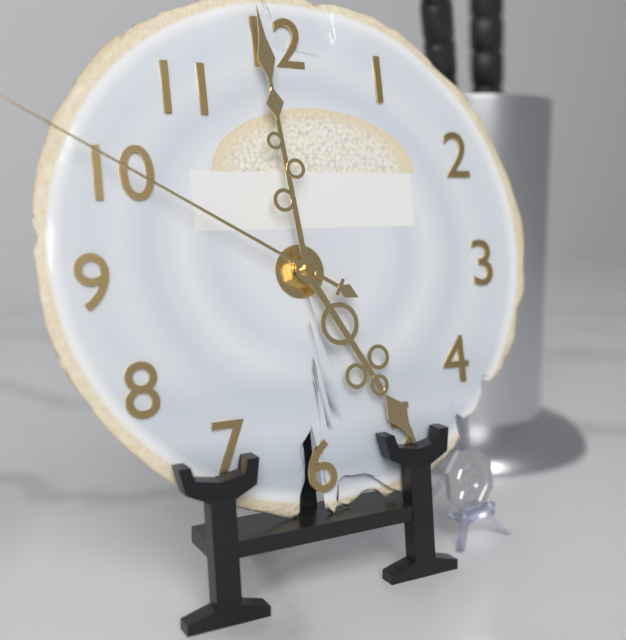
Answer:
4:59
